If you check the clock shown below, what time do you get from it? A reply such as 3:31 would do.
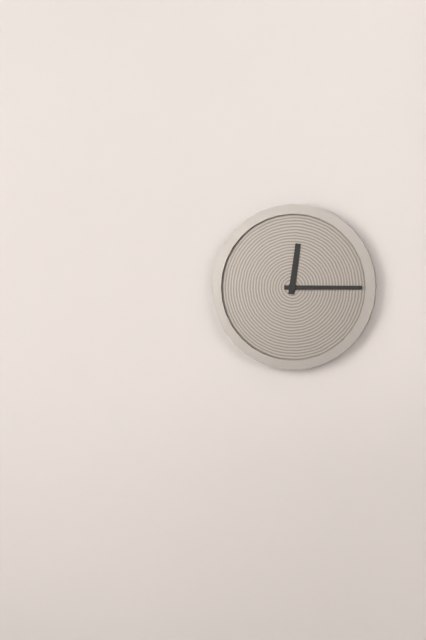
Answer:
12:15
